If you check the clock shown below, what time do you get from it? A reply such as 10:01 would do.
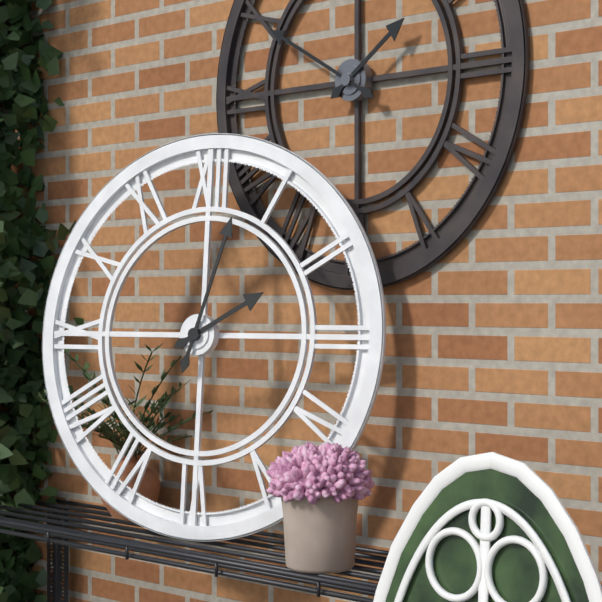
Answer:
2:03
